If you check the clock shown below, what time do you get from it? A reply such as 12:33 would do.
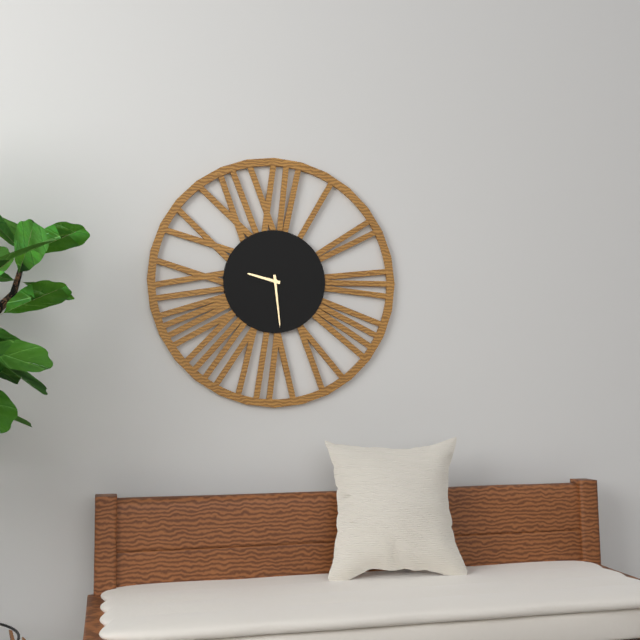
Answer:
9:29
